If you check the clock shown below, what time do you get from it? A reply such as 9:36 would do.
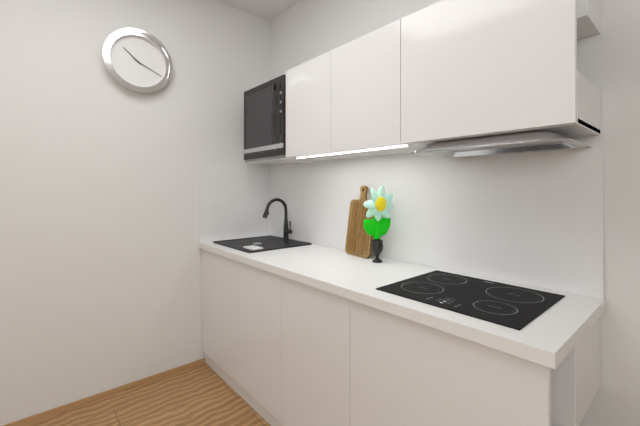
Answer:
10:19
